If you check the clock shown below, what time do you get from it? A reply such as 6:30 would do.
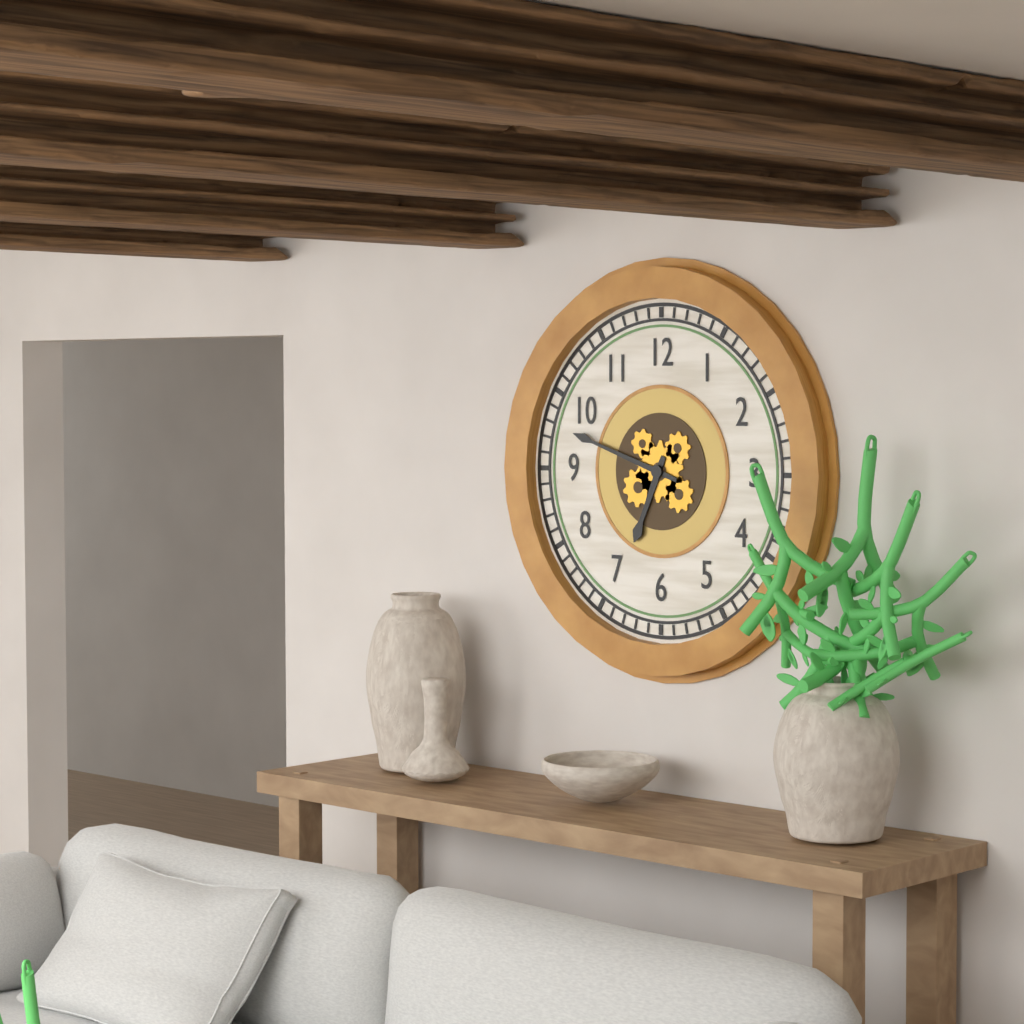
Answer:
6:48
